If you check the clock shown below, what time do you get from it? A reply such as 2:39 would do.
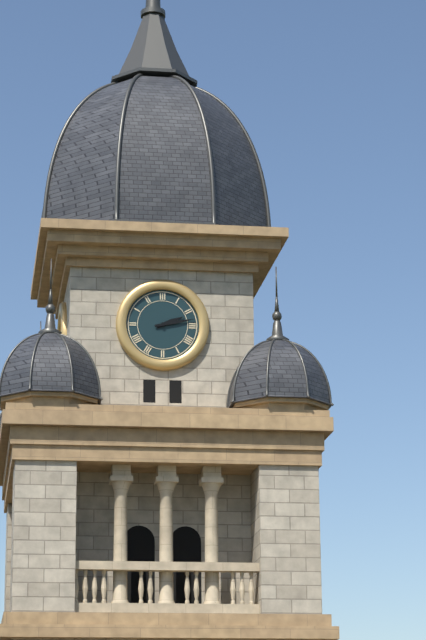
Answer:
2:13
